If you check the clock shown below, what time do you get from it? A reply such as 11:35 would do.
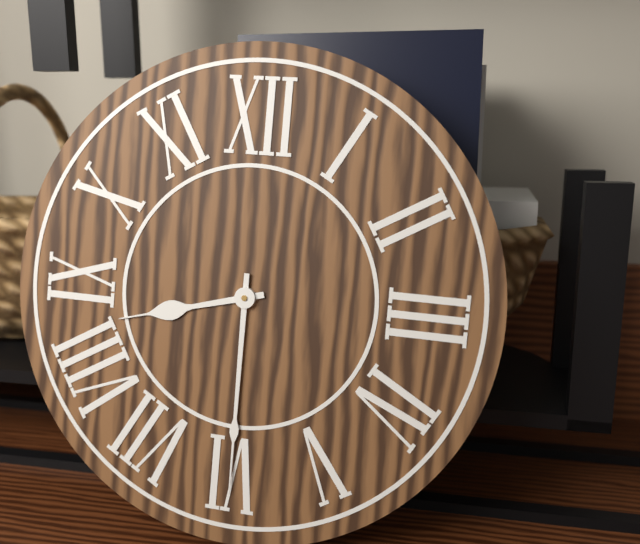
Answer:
8:30
